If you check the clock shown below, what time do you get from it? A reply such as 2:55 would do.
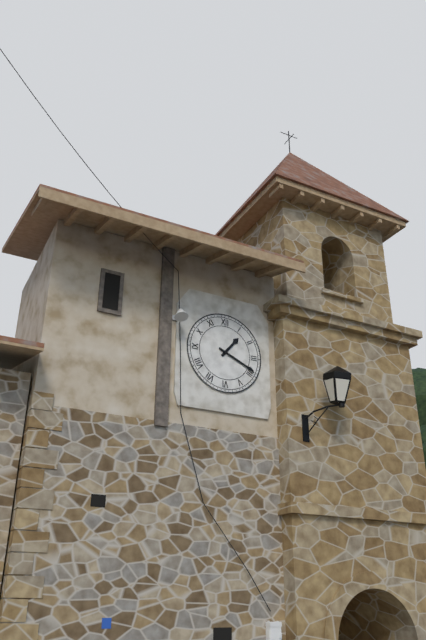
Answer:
1:19
